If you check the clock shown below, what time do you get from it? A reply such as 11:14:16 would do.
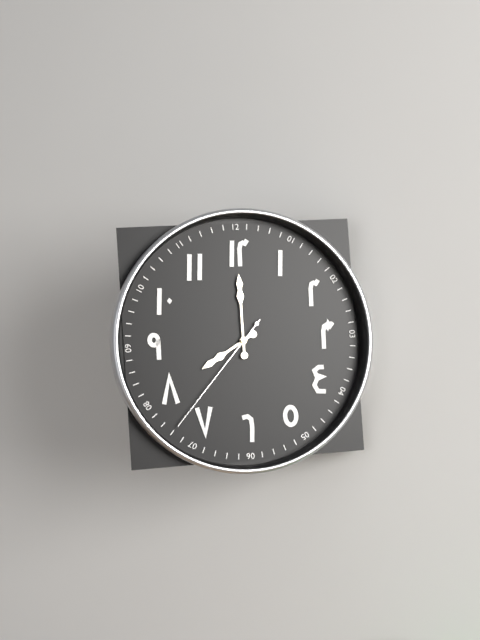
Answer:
8:00:37
